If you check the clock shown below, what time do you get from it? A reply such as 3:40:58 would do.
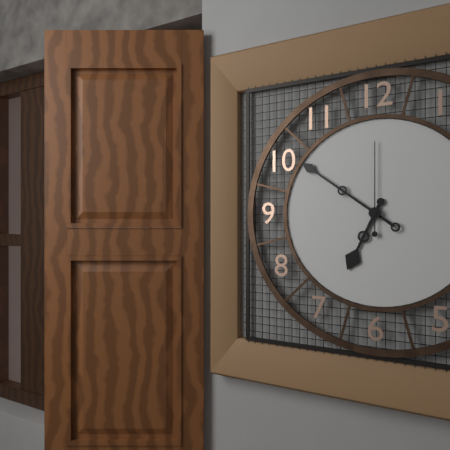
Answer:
6:51:00
